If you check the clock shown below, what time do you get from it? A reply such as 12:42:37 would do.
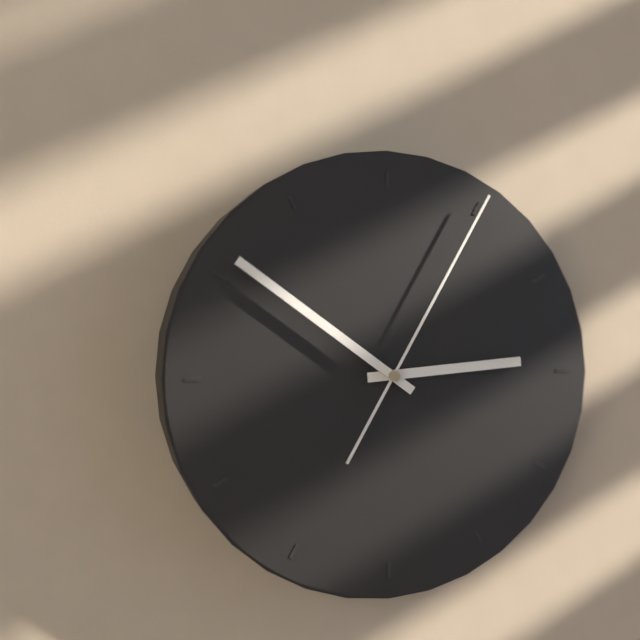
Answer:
2:51:05
